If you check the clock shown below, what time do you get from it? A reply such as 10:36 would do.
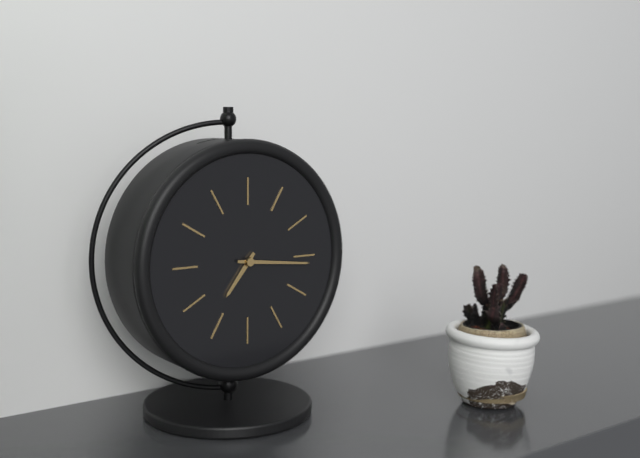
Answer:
7:16
